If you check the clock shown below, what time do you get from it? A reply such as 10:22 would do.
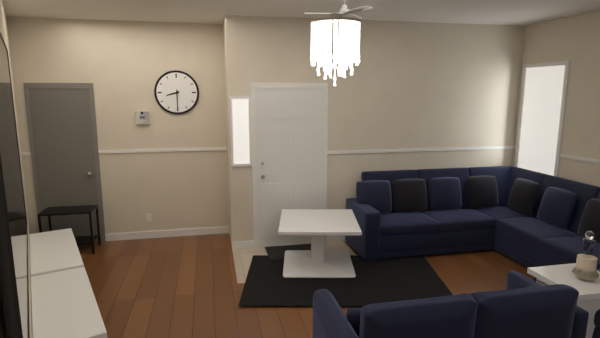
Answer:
8:30
